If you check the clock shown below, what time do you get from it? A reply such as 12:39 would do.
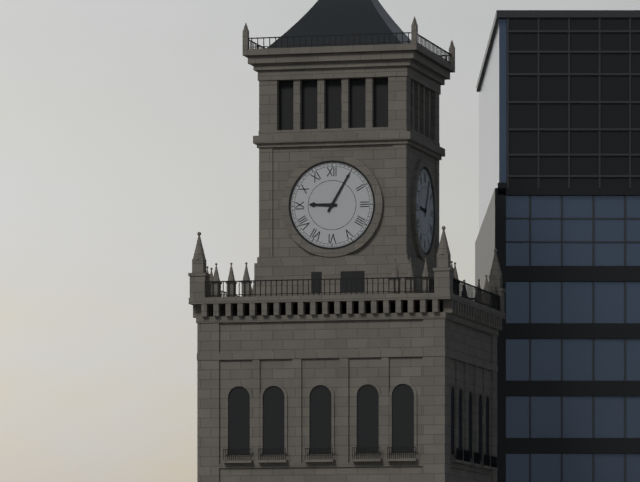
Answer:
9:05
